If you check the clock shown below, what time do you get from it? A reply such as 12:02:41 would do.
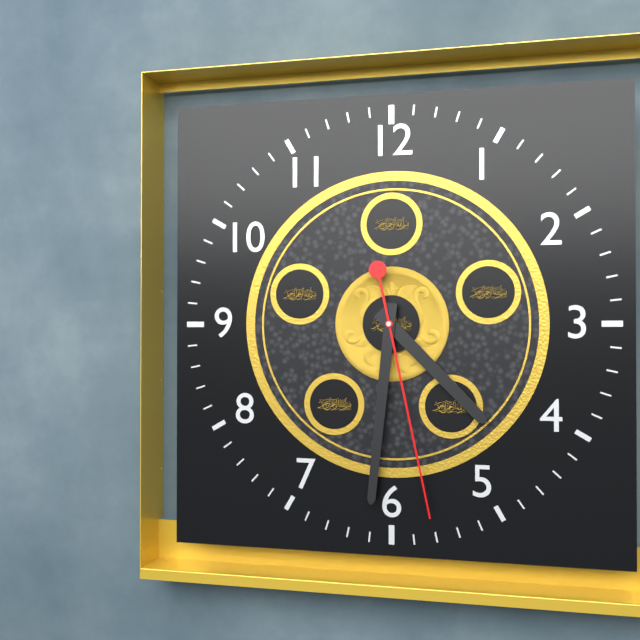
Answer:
4:31:28
